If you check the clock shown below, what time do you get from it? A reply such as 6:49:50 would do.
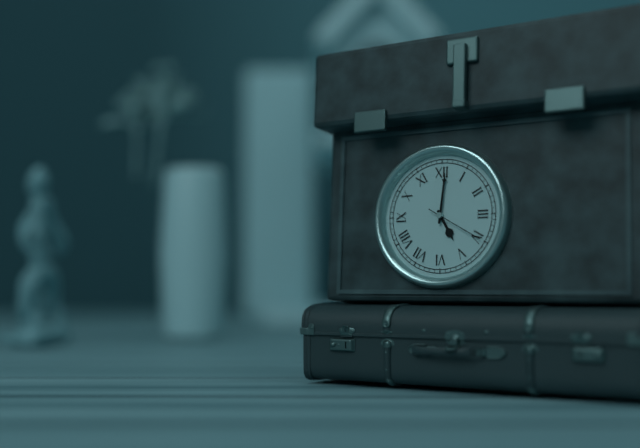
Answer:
5:01:20
